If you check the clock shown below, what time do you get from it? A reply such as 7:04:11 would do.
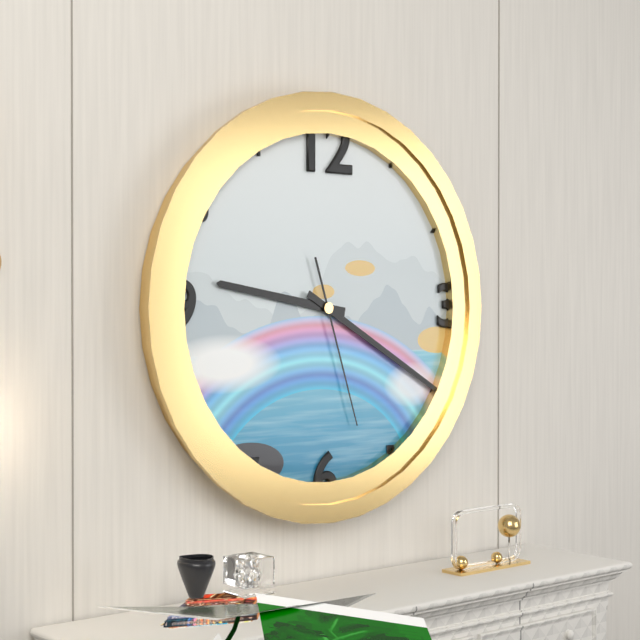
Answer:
9:20:27
